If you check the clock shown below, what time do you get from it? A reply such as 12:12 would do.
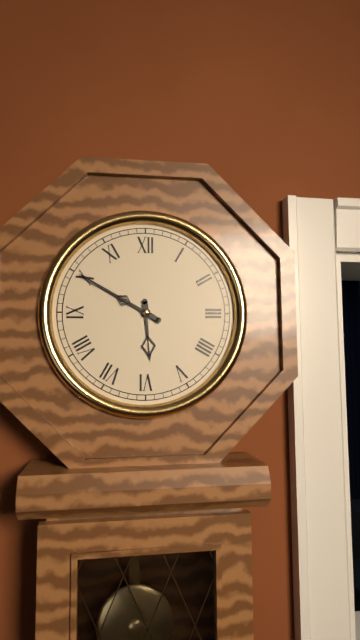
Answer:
5:50
